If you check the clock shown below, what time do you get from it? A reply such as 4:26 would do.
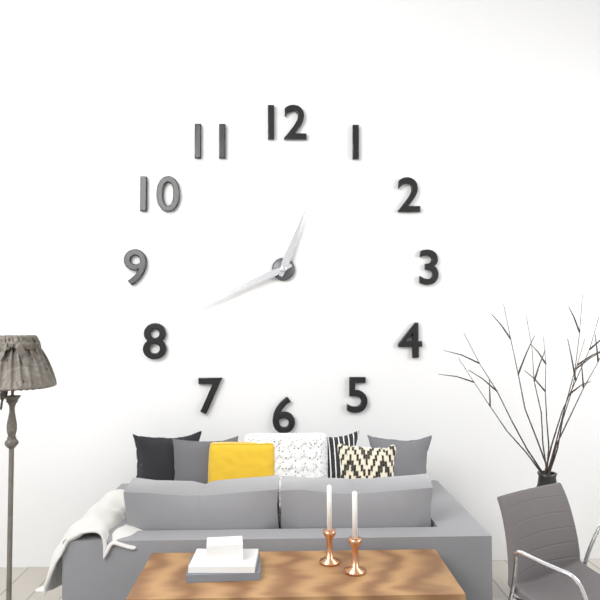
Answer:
12:41
